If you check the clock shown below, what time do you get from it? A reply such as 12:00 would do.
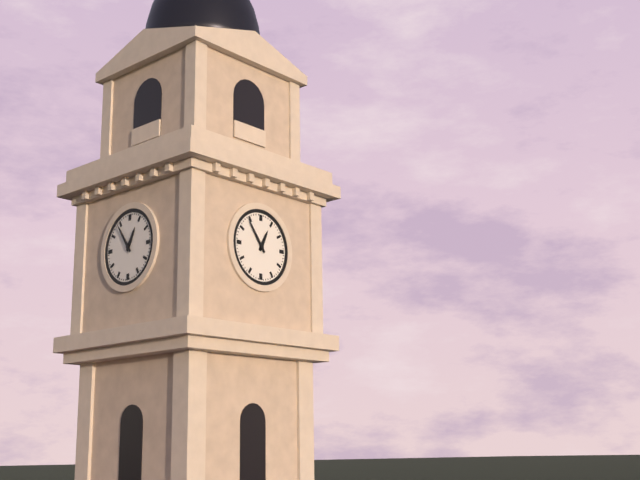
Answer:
12:54
